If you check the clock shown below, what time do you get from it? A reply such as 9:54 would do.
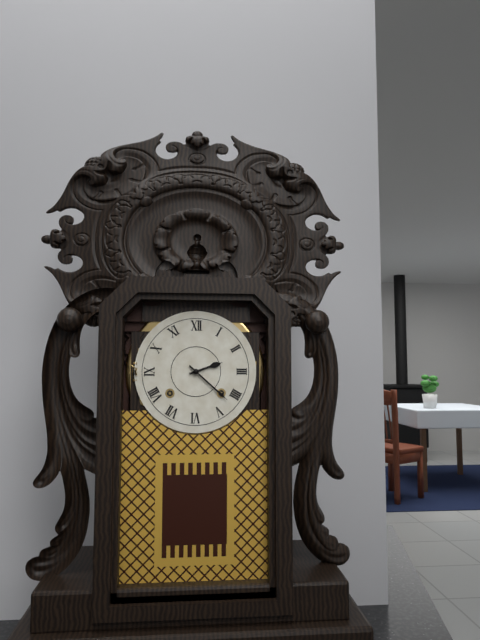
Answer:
2:22
